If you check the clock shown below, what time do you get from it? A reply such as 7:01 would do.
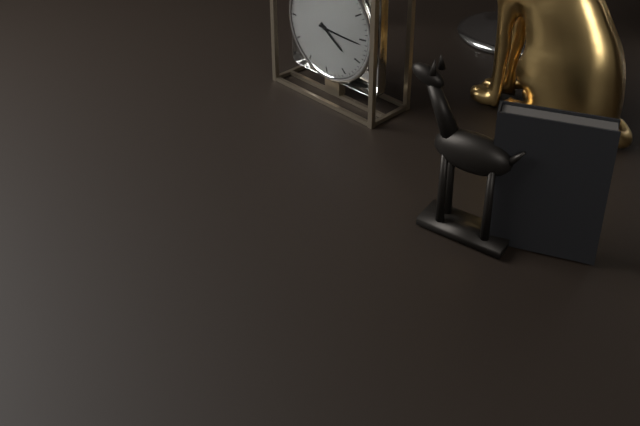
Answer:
4:16
